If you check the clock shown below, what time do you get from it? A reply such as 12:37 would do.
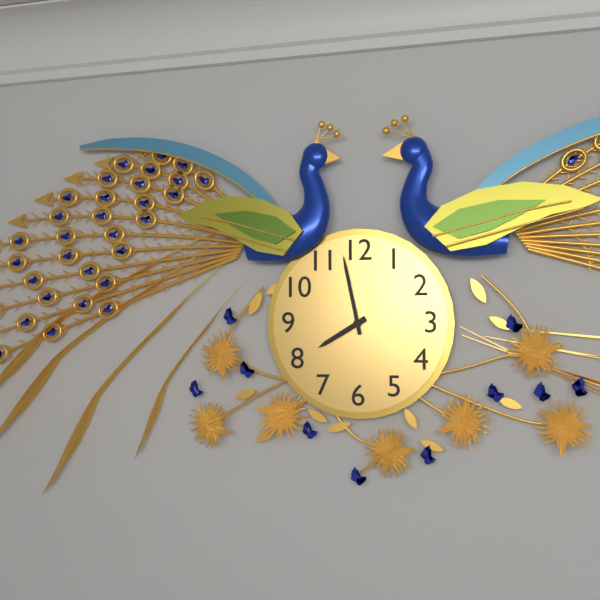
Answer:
7:58
